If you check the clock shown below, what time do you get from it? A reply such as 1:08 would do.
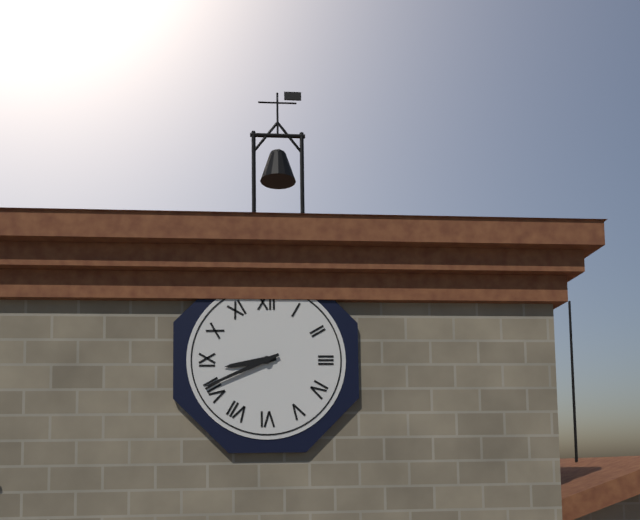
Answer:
8:41
